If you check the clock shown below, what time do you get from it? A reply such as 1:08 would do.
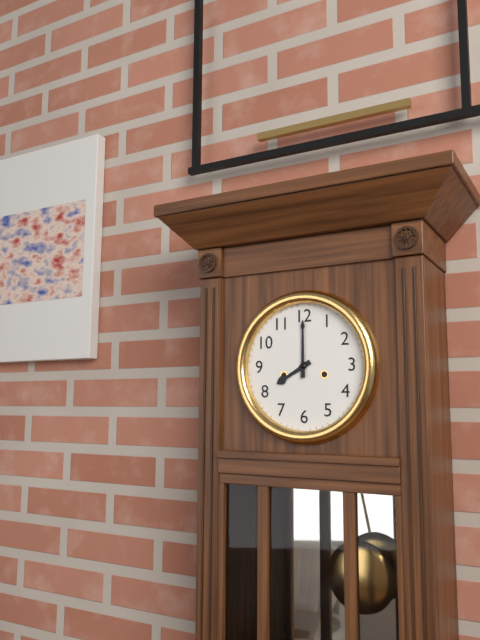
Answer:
8:00
